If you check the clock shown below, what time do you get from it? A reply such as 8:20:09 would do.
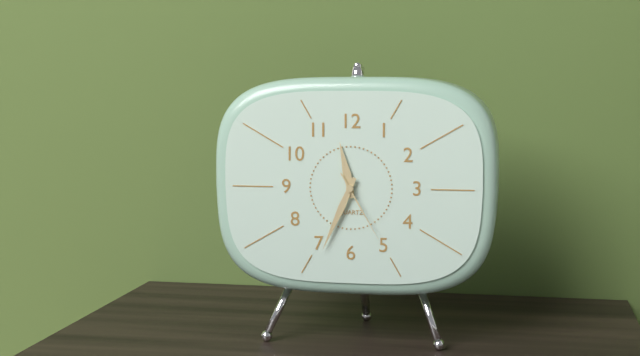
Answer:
11:34:25
